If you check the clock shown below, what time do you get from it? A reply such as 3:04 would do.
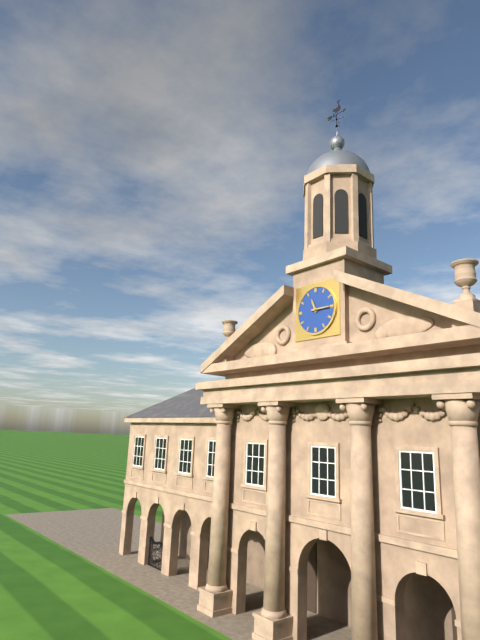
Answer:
11:15
